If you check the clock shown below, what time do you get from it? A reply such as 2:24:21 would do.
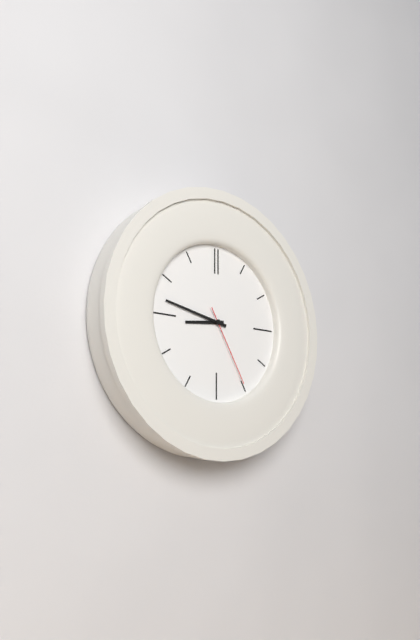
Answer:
8:47:25
